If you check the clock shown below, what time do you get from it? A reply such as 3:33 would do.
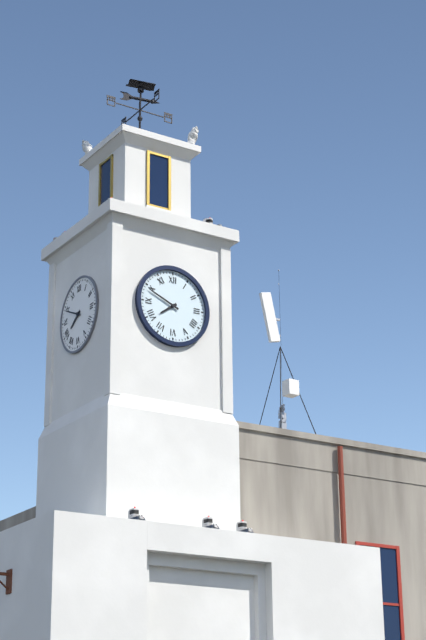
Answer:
7:49
